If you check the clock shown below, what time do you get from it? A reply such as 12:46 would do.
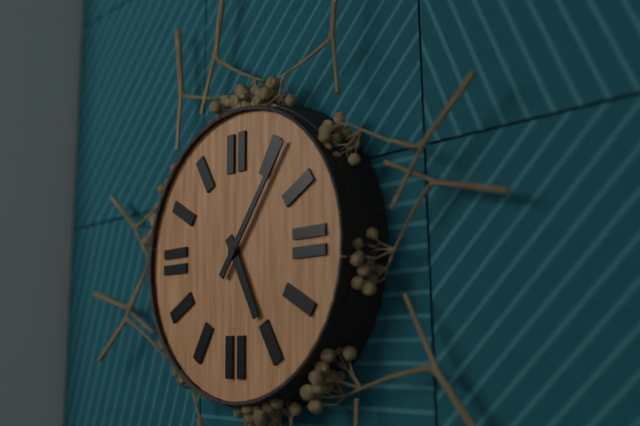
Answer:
5:06
